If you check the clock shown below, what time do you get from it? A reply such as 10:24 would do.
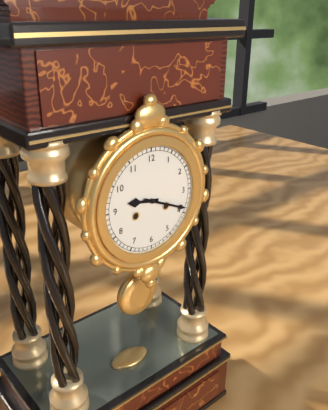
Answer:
9:19
